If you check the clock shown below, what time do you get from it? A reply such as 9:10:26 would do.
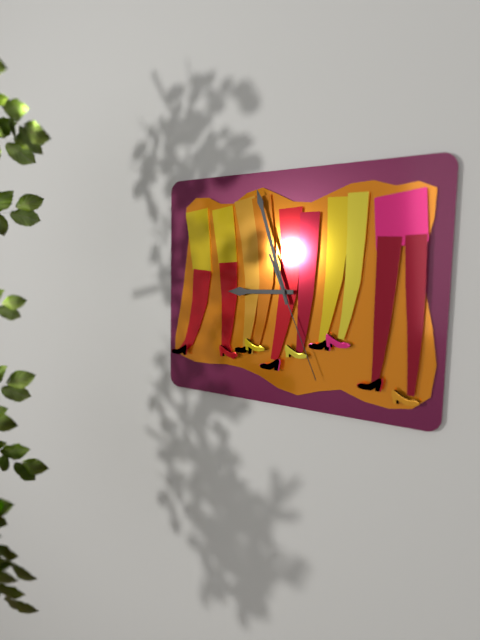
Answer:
8:57:26
